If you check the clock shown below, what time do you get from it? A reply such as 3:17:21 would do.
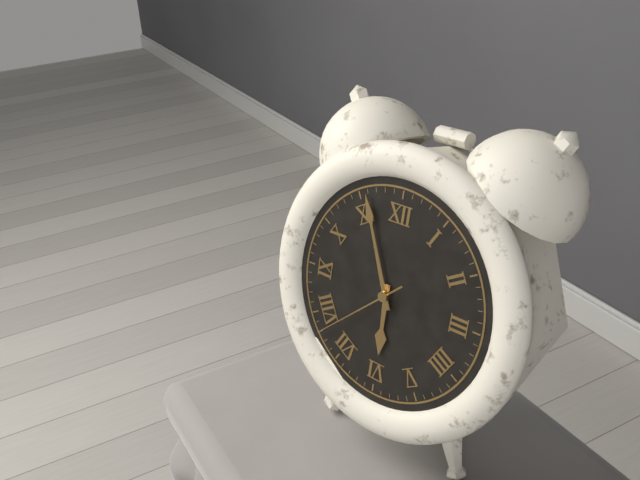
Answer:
5:56:38
